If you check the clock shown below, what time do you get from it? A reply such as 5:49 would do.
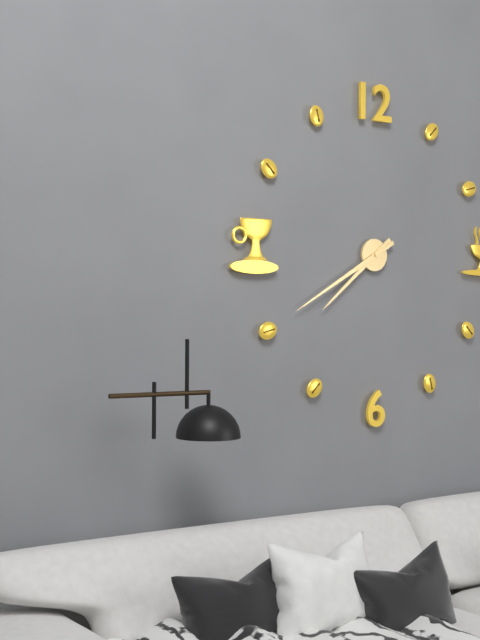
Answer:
7:40
